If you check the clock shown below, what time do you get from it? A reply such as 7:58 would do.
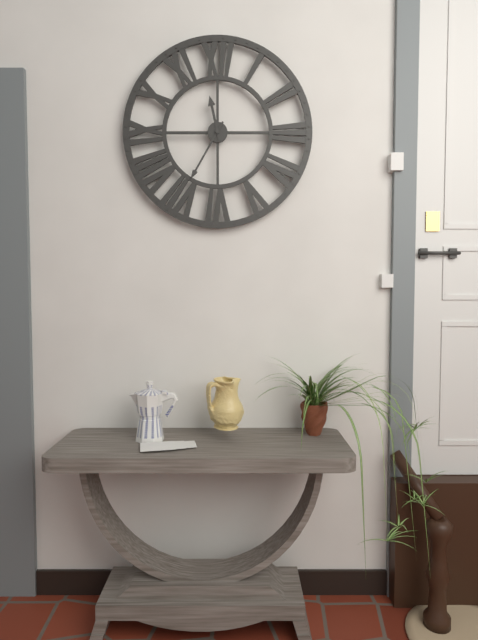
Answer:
11:35
